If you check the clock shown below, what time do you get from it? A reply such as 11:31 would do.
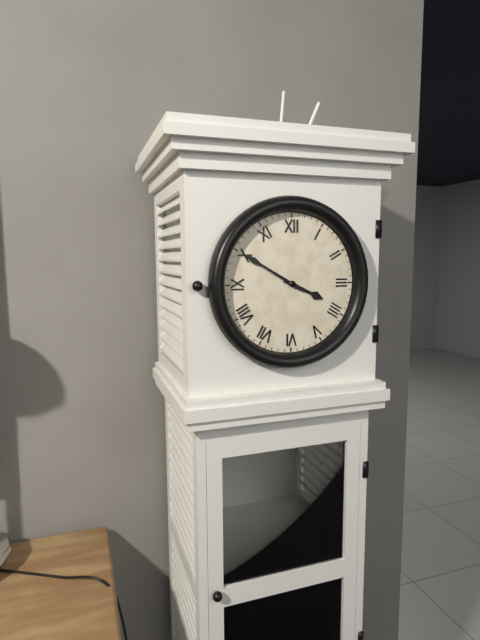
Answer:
3:50
